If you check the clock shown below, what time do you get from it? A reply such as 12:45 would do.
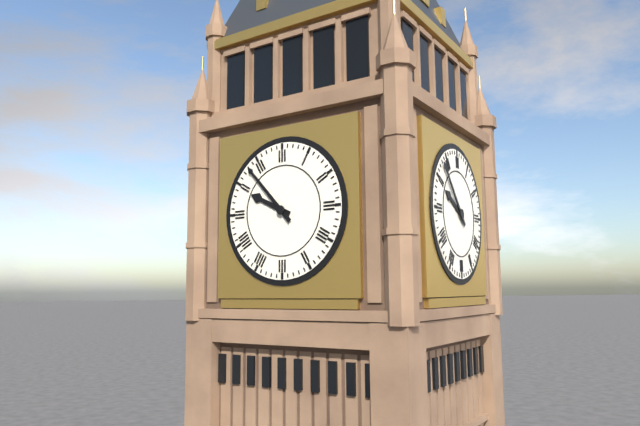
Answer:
9:53
